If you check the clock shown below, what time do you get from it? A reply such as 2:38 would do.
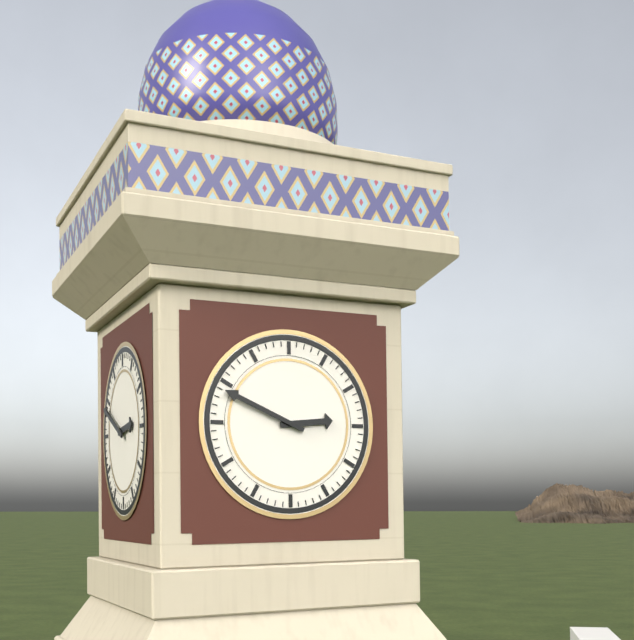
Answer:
2:49
